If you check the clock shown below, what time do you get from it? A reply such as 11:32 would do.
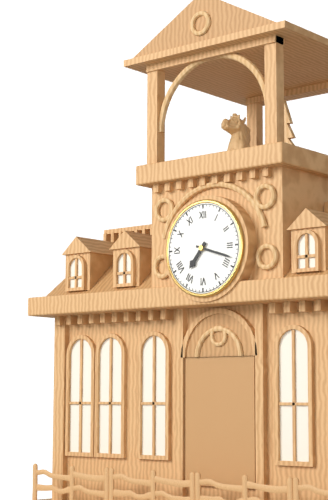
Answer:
7:18
